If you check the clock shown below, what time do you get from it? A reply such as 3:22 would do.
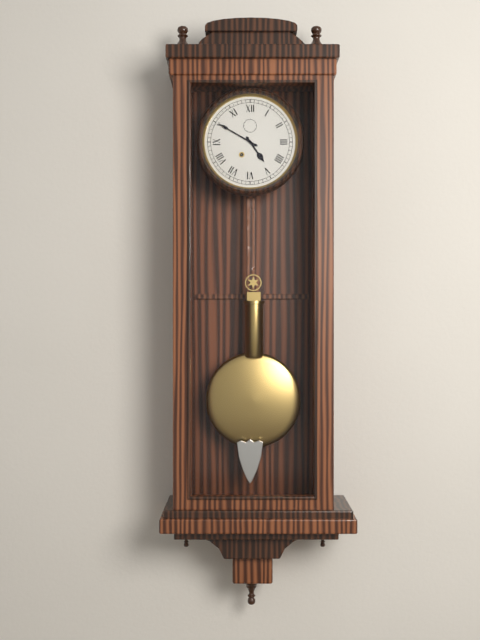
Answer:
4:50
